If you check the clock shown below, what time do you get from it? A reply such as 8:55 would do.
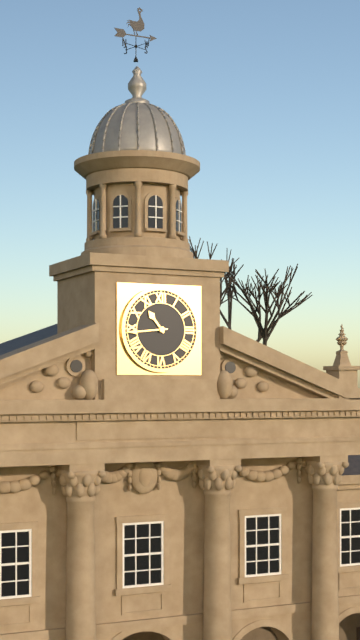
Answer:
10:44
